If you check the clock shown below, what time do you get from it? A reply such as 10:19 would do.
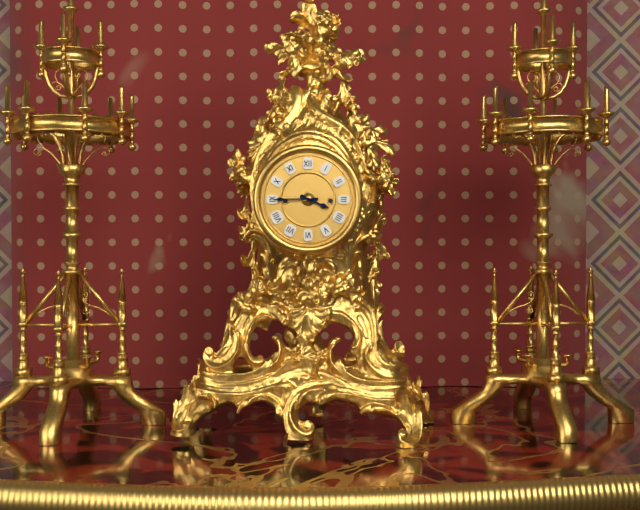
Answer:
3:45
